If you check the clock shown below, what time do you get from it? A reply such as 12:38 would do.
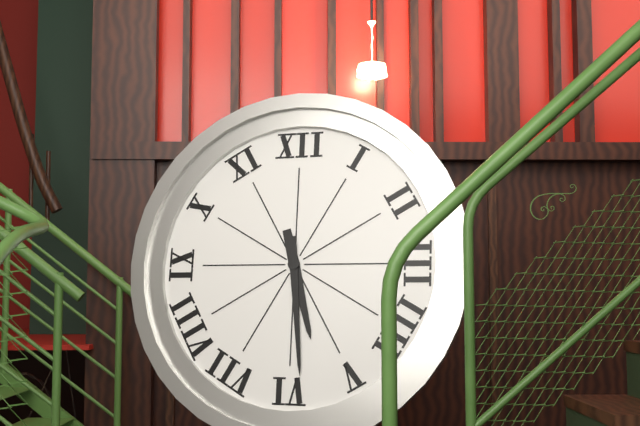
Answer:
5:29
